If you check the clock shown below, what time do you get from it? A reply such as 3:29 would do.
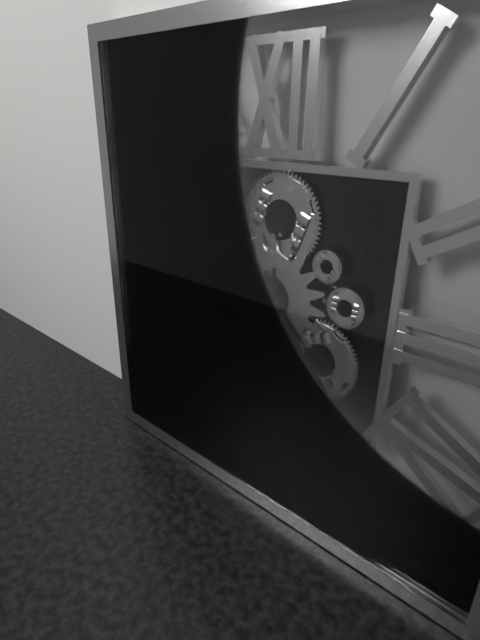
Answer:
4:30
